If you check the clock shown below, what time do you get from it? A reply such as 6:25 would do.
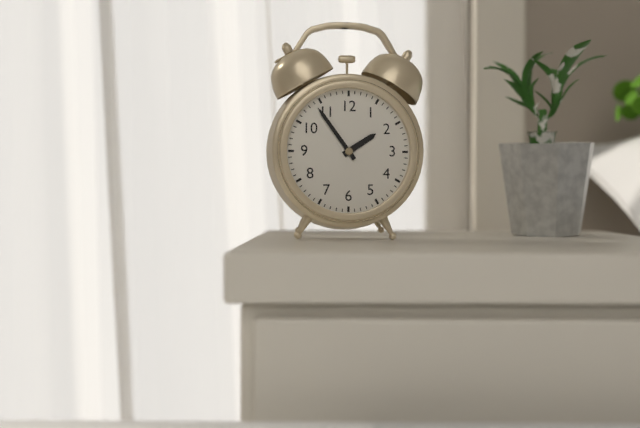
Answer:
1:54
